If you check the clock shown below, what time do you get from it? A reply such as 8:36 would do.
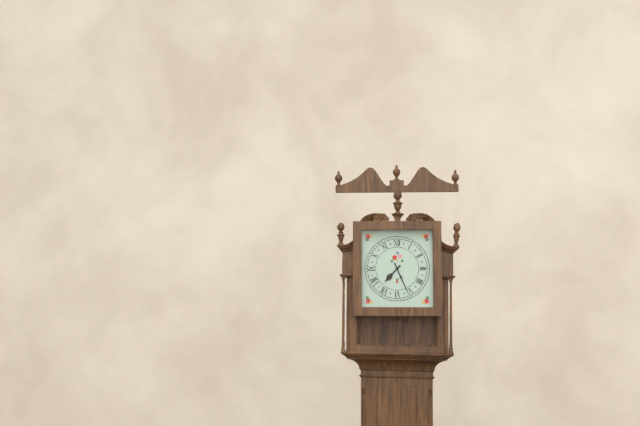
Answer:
7:26
